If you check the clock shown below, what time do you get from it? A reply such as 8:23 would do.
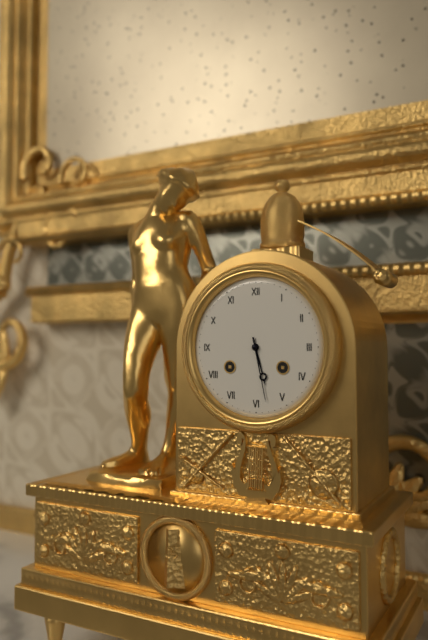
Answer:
5:28
